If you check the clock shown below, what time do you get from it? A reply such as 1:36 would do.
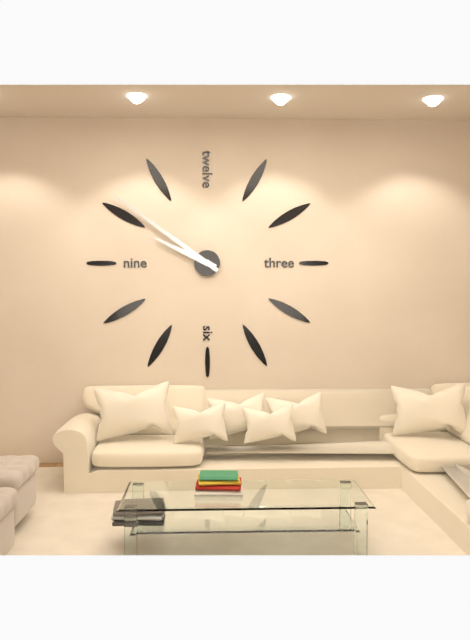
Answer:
9:51
